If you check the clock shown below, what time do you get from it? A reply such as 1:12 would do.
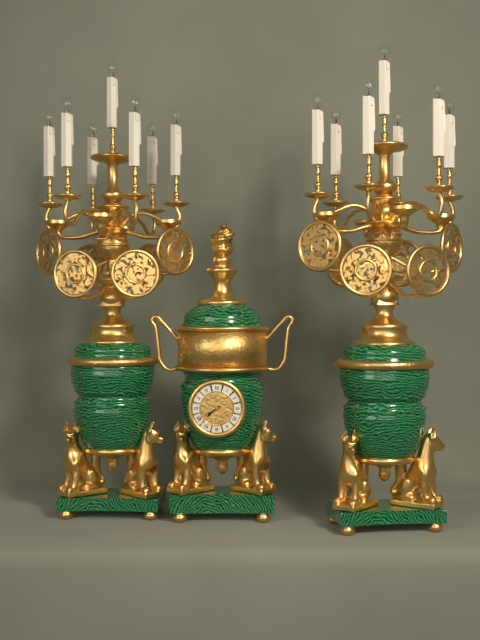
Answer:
7:40
